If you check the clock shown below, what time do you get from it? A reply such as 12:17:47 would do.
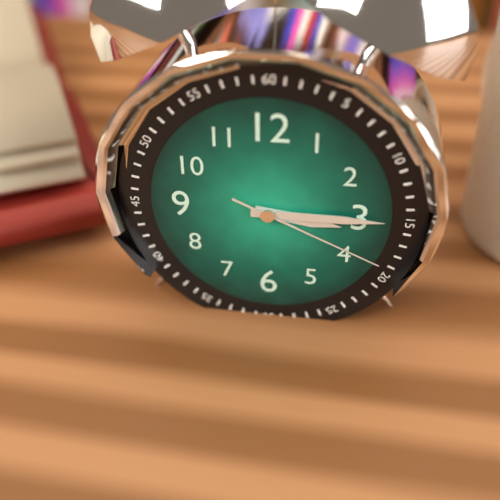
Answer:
3:15:19
